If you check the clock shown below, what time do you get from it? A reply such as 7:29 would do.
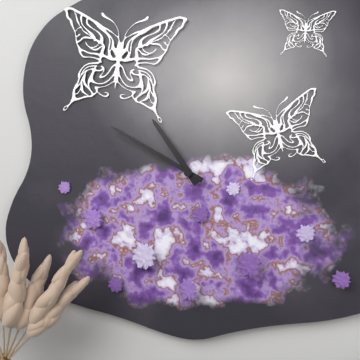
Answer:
10:50
